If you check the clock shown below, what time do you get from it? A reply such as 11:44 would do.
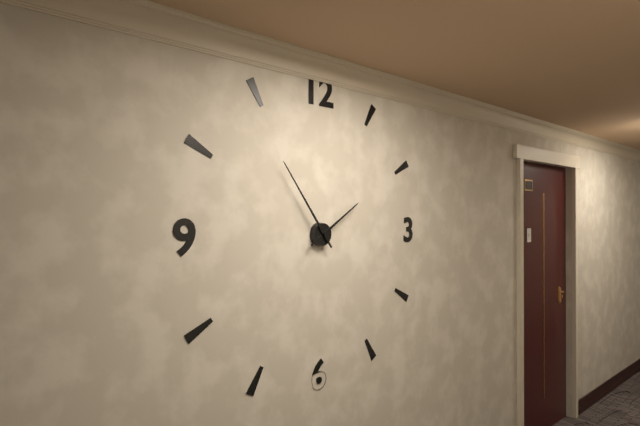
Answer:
1:54
